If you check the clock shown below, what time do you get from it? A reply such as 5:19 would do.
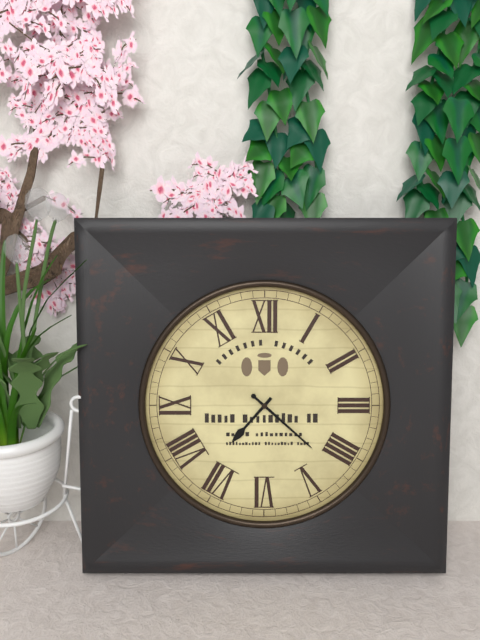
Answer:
7:22
